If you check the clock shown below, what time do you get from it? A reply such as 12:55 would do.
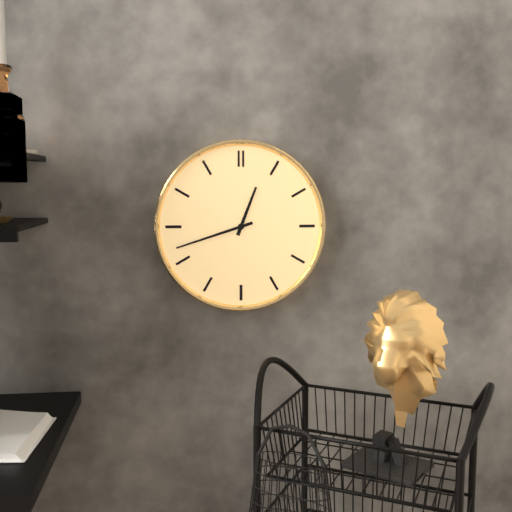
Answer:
12:42
